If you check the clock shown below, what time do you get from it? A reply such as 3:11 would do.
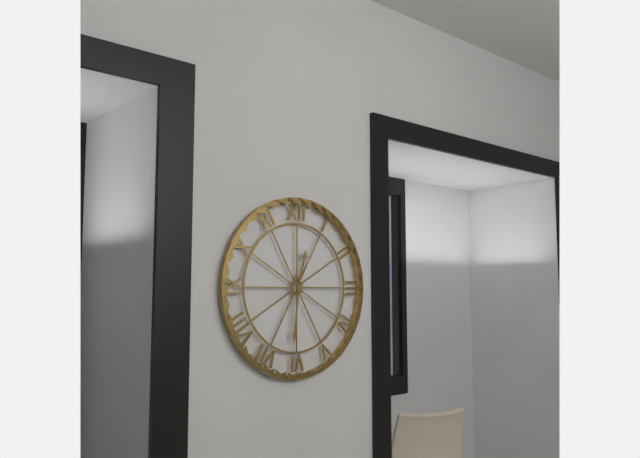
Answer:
12:31
